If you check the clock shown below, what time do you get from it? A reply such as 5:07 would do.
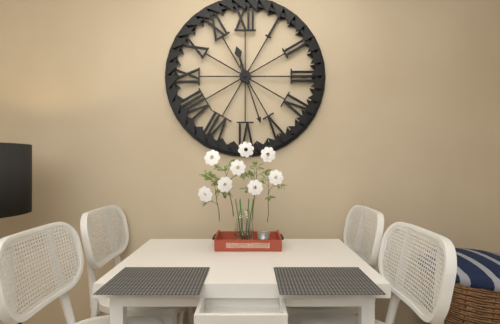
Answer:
11:27
